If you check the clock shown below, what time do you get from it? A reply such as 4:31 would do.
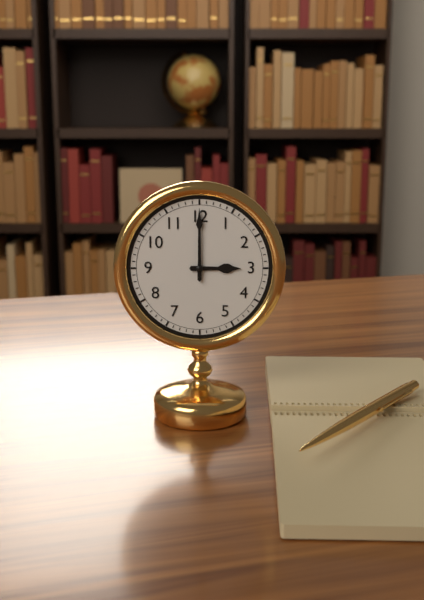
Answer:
3:00
